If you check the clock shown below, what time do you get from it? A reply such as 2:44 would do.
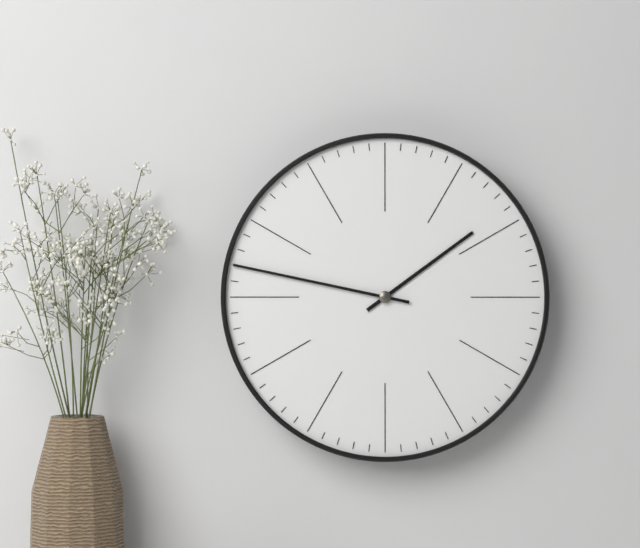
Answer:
1:47
